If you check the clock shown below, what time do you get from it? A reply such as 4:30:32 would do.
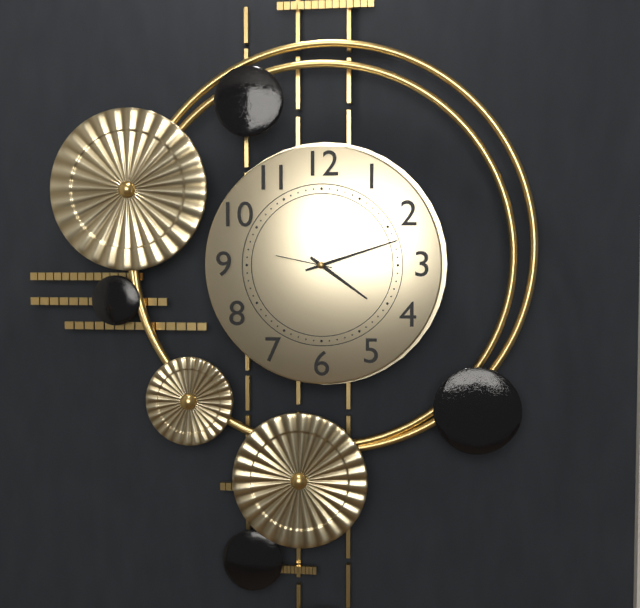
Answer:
4:12:47
